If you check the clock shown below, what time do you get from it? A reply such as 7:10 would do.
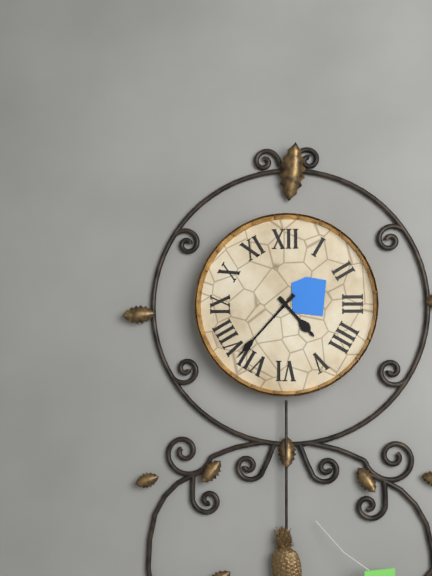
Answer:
4:37
